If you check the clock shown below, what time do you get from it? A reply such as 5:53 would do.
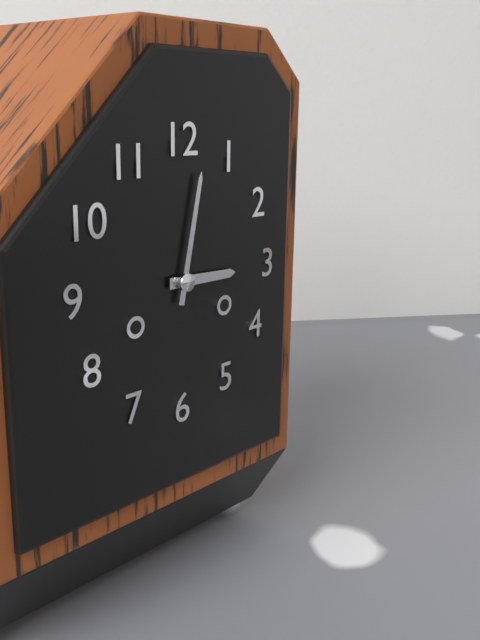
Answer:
3:02
